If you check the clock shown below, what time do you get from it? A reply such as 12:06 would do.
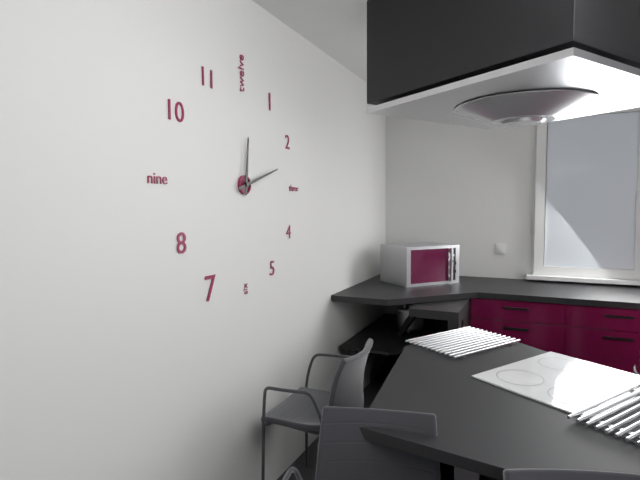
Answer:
12:12
